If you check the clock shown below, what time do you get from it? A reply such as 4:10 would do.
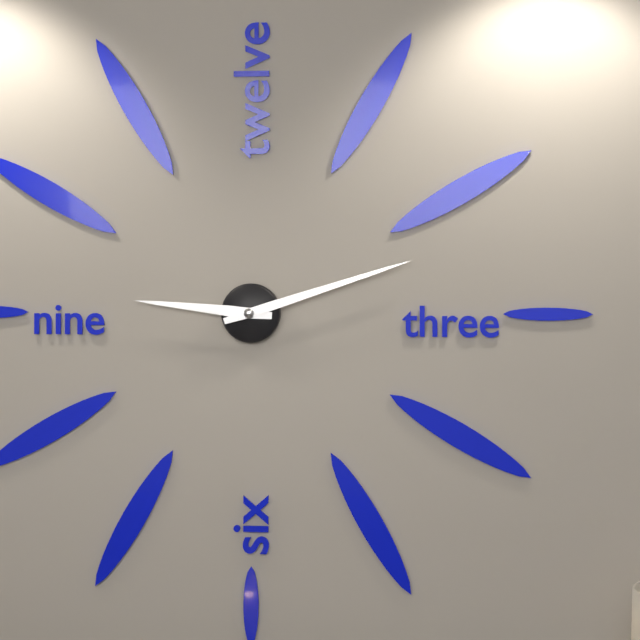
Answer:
9:12
